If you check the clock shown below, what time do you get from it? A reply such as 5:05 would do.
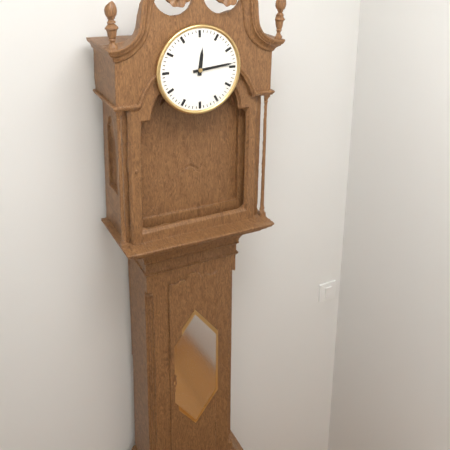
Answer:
12:14
